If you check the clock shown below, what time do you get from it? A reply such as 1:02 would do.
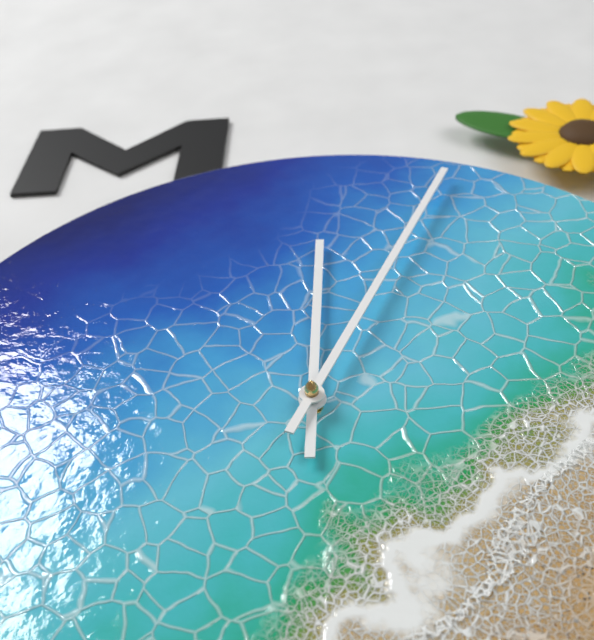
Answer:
12:04
